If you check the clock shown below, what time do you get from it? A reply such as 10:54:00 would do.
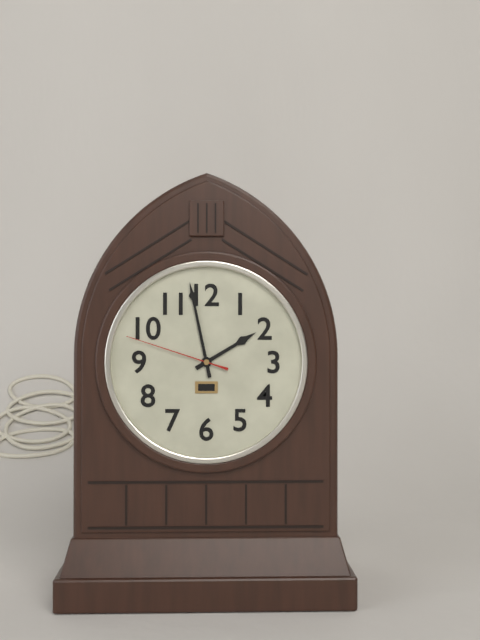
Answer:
1:58:48
